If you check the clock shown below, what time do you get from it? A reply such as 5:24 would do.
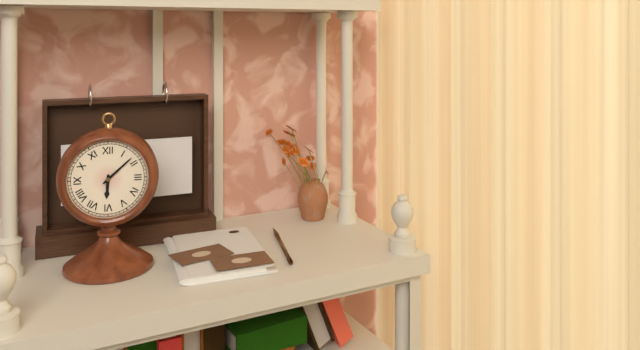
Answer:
6:08
